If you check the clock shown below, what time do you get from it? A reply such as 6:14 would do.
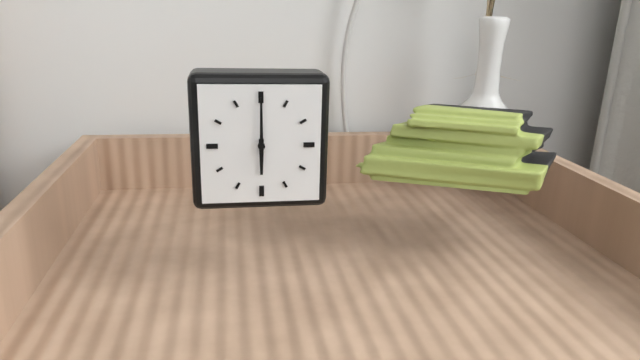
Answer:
6:00
